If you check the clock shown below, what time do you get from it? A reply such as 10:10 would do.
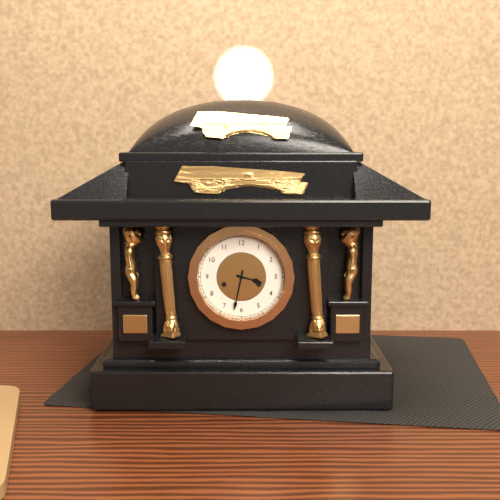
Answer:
3:32
